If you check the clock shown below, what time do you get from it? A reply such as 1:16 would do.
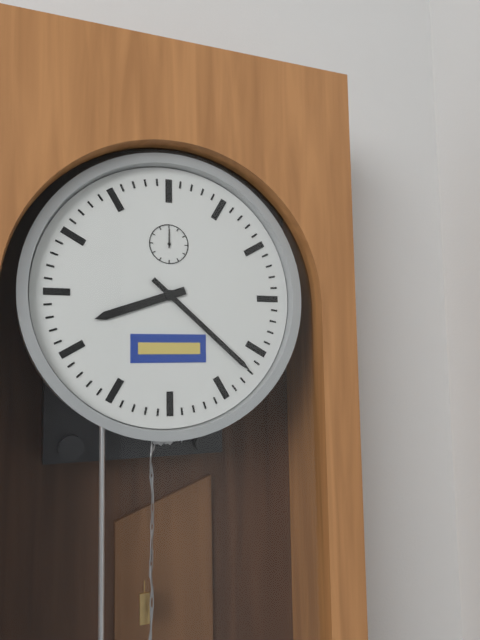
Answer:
8:22
